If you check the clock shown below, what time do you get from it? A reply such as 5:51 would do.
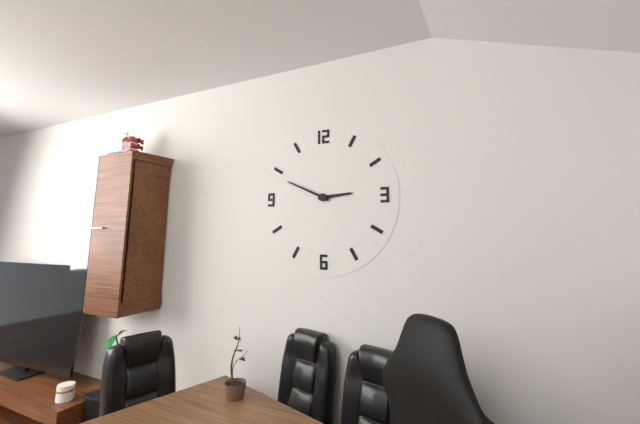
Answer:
2:49
